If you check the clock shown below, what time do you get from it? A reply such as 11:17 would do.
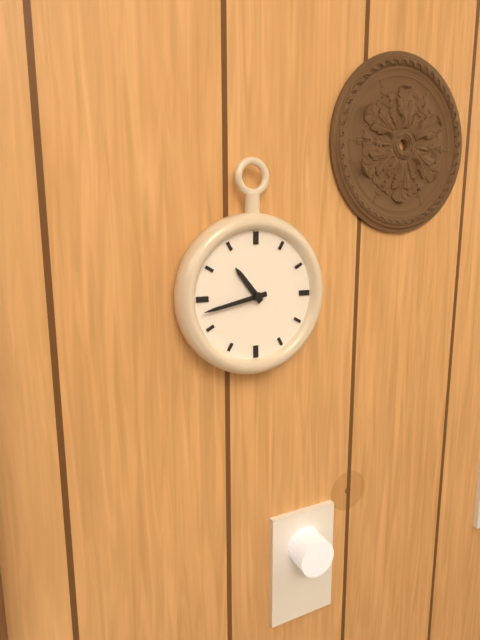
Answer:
10:43
